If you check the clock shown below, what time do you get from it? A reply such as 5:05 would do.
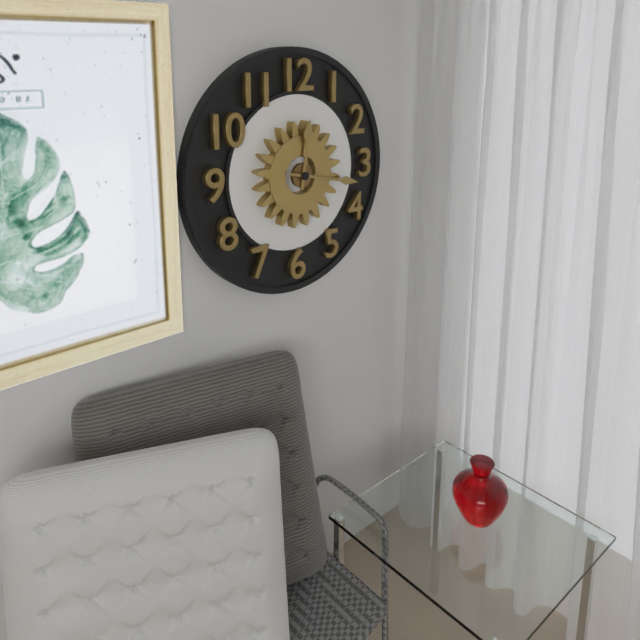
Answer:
12:17
